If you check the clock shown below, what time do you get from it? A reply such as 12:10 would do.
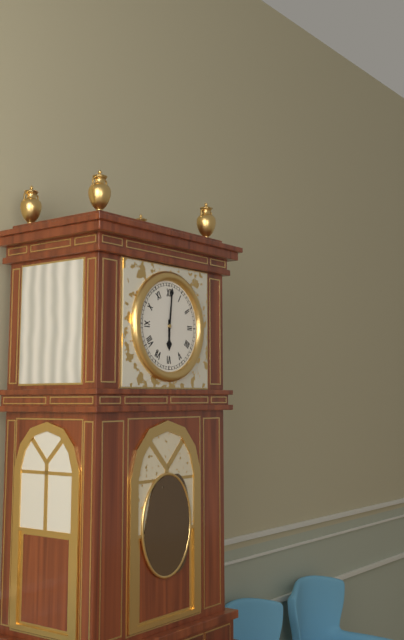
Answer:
6:01
